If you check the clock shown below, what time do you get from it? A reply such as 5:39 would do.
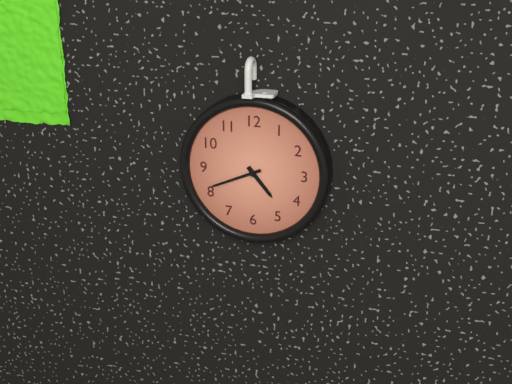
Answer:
4:41
